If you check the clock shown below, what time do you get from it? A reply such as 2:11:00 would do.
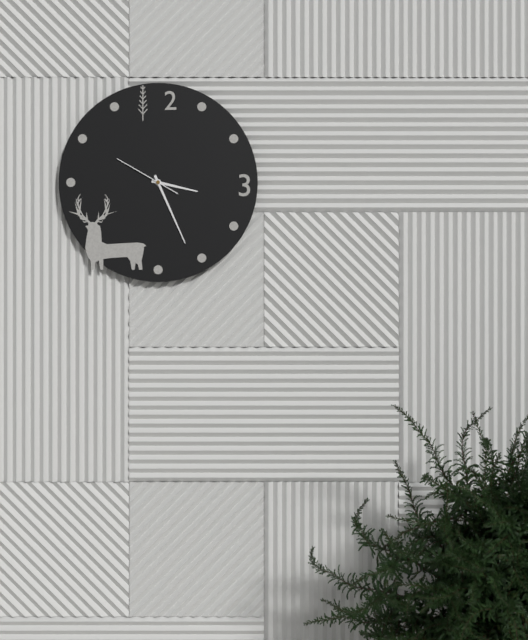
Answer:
3:26:50
